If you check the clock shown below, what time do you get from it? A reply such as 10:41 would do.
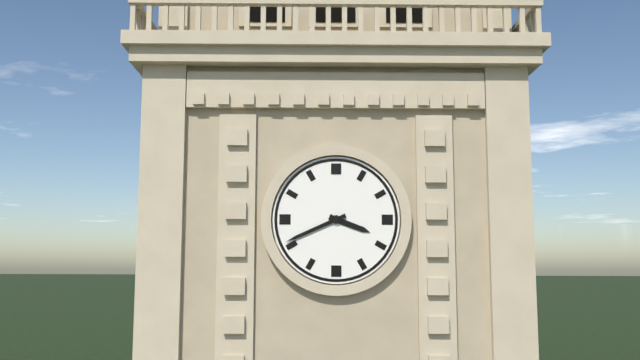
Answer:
3:41
